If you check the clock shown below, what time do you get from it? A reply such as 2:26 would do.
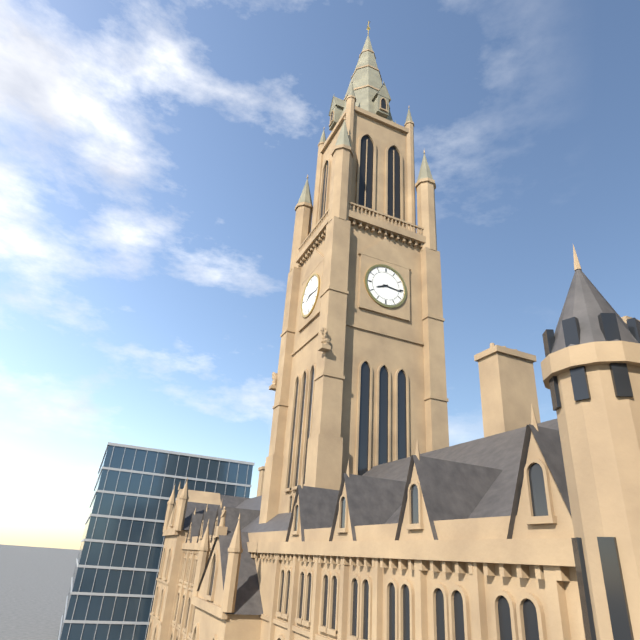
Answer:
8:16
